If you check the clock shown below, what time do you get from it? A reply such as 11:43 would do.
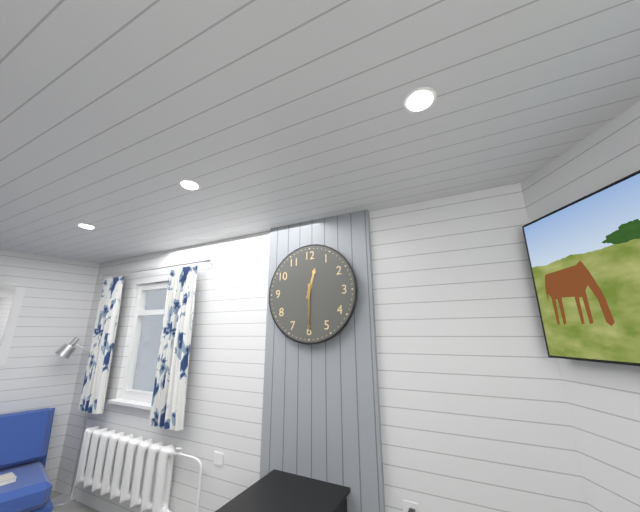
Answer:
12:30
